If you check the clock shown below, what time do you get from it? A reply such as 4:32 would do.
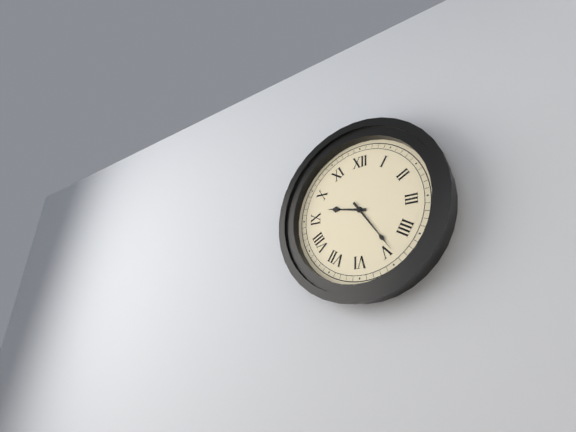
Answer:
9:24
